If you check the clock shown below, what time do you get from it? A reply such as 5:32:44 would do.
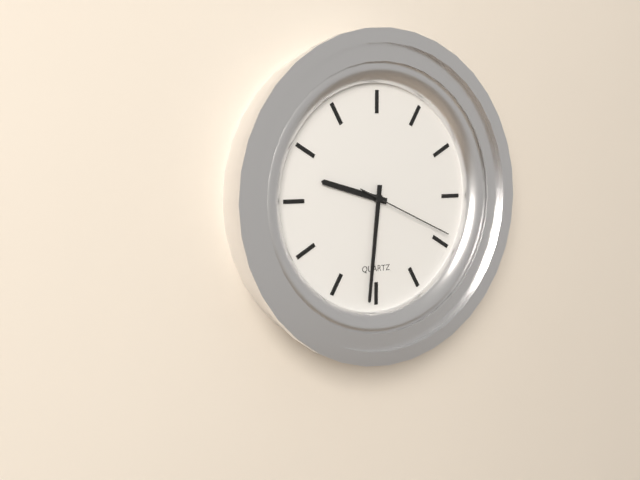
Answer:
9:31:19
